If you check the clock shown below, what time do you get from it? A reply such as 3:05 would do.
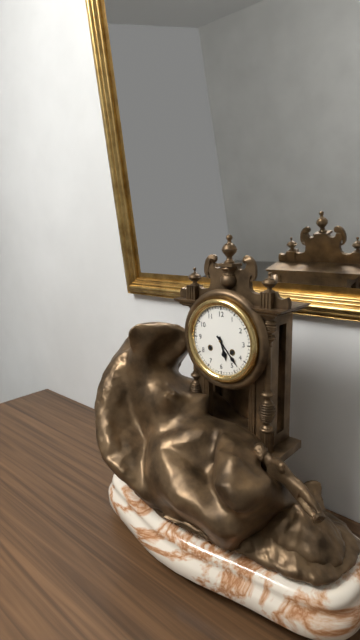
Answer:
5:23
